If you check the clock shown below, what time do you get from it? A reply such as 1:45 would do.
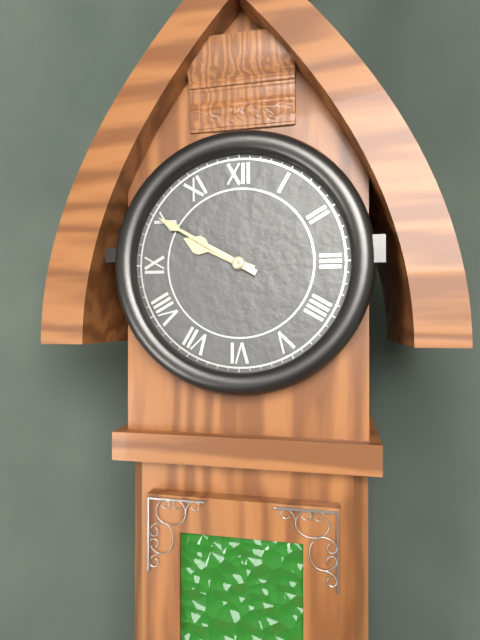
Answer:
9:50
